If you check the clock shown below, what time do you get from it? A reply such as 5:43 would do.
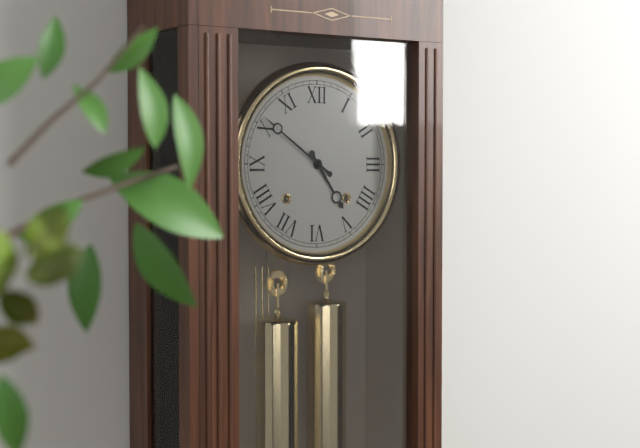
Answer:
4:51
